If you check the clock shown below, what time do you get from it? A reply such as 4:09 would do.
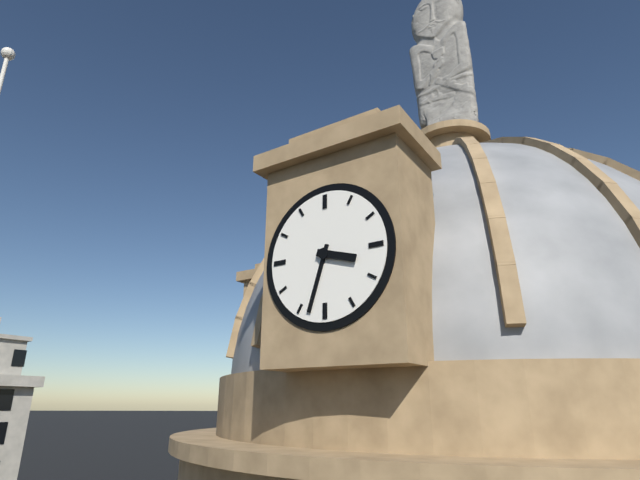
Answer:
3:33
